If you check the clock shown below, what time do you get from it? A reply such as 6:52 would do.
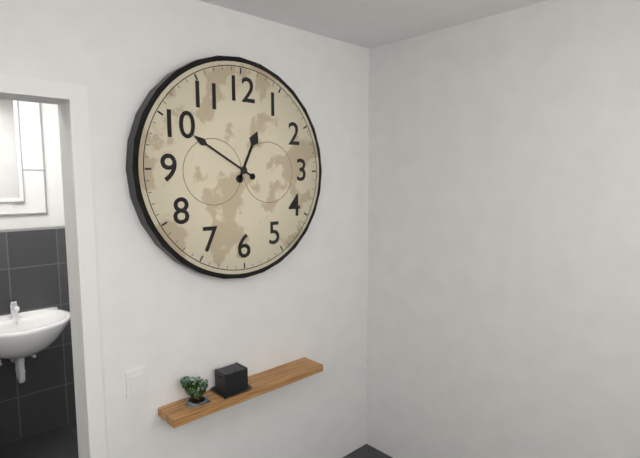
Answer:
12:50
